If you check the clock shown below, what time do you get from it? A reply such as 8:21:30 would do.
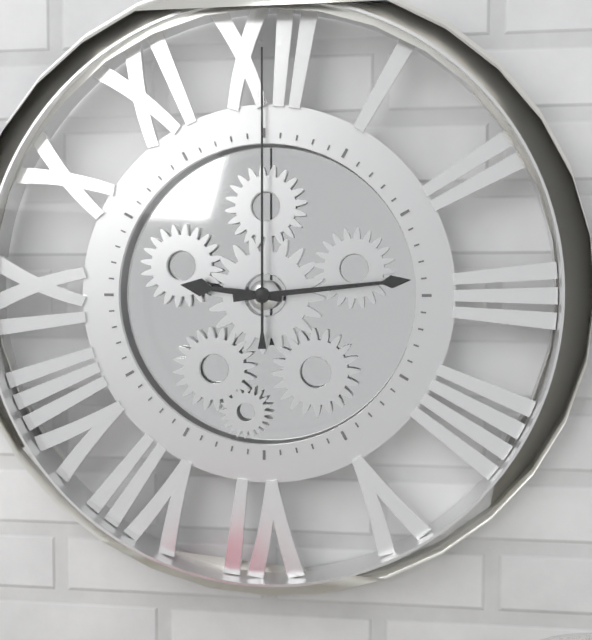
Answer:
9:14:00
